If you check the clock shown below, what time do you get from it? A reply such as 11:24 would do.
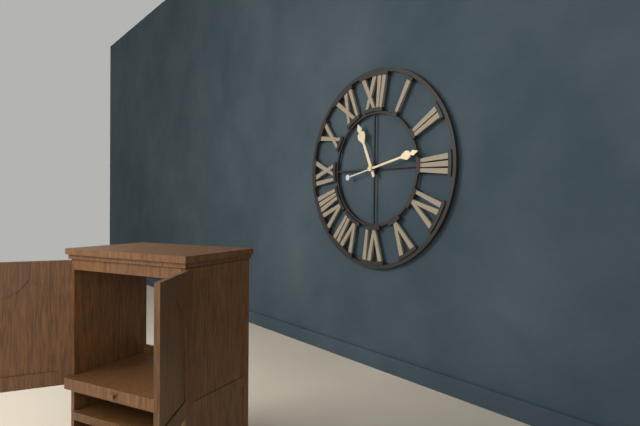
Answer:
11:13
